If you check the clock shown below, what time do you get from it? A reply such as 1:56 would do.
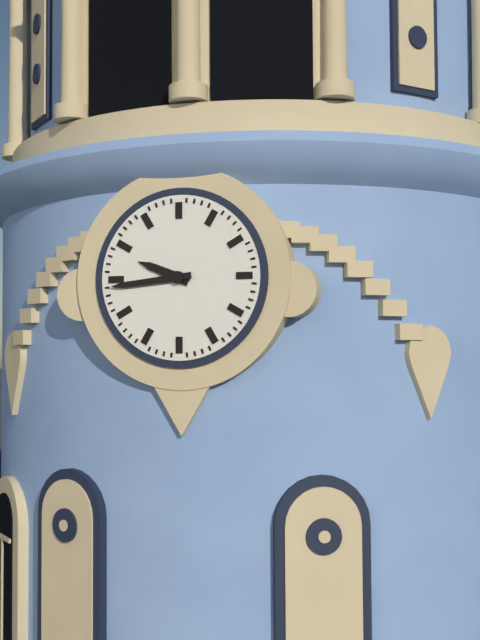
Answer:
9:44
